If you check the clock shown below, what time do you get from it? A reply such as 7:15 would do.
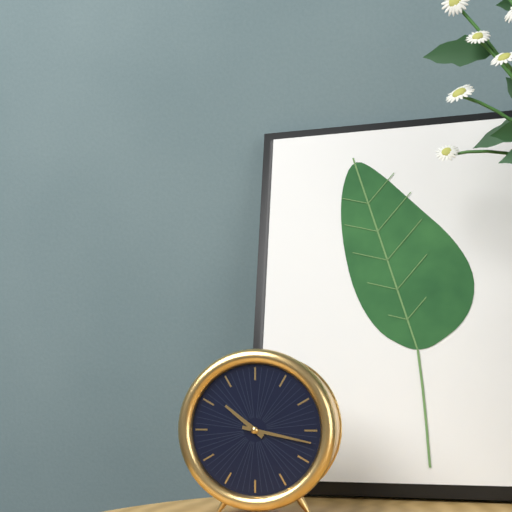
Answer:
10:17
